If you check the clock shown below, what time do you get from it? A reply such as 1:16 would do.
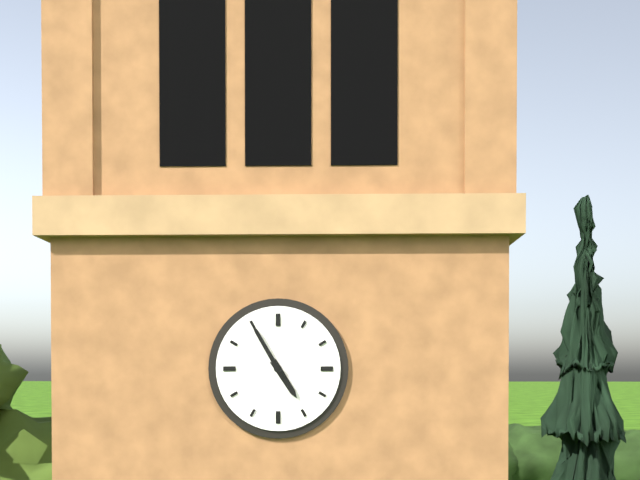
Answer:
4:55
